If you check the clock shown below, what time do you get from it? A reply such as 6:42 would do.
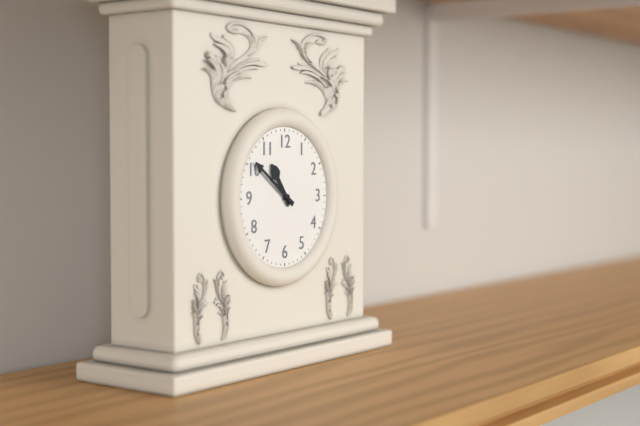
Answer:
10:51
